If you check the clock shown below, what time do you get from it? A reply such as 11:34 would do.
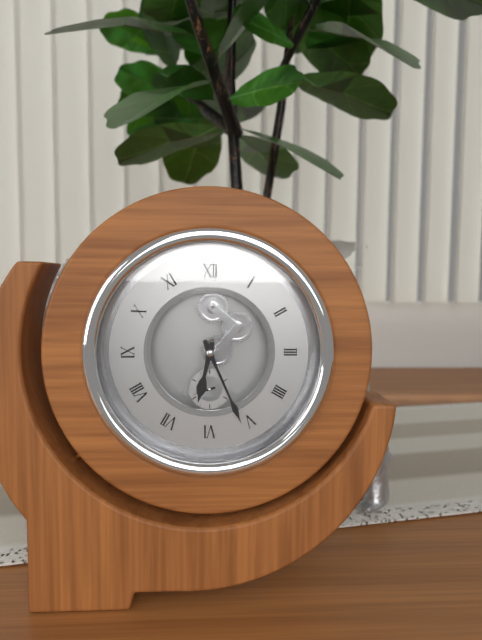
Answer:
6:26
